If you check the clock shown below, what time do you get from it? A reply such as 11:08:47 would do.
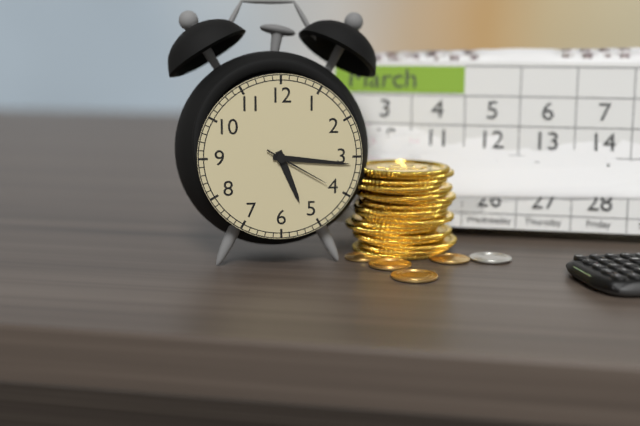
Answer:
5:16:20
